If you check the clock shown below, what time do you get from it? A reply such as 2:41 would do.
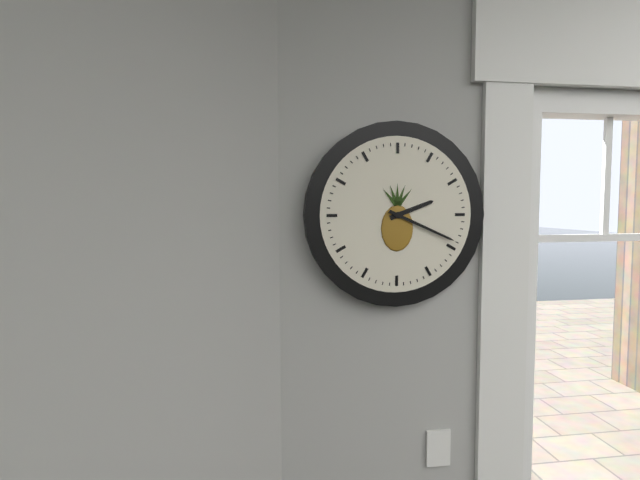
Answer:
2:19
